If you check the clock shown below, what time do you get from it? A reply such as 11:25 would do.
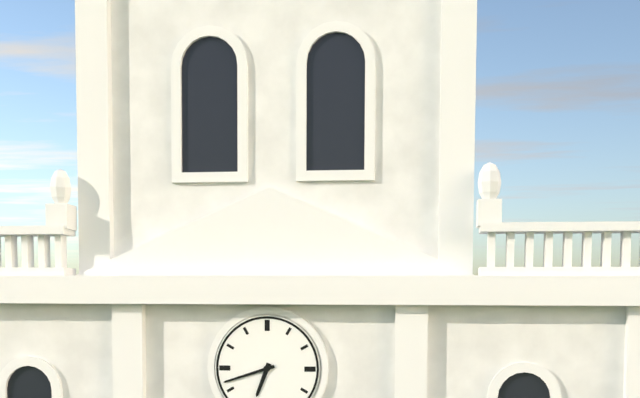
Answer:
6:42
